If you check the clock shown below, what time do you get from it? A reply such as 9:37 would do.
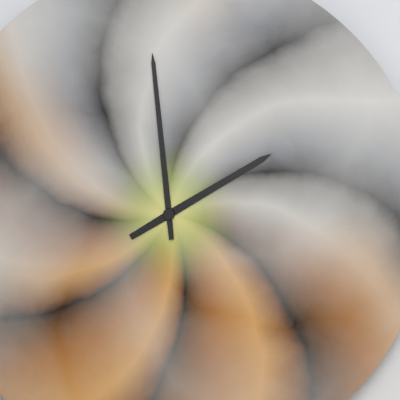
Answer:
1:59
